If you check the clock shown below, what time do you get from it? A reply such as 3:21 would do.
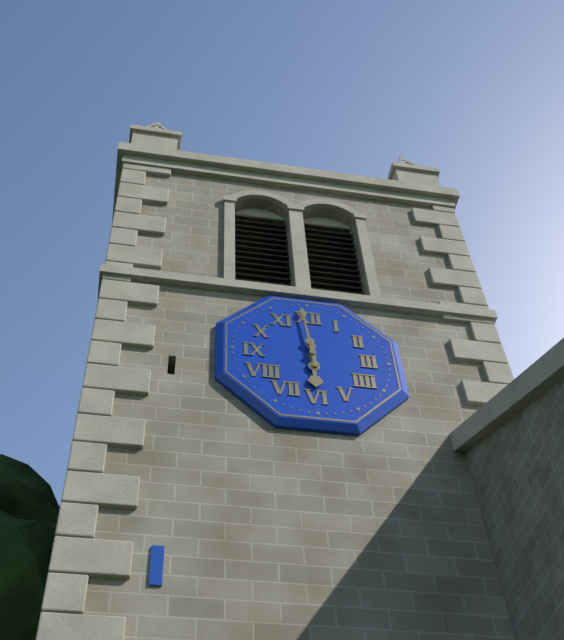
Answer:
5:59
